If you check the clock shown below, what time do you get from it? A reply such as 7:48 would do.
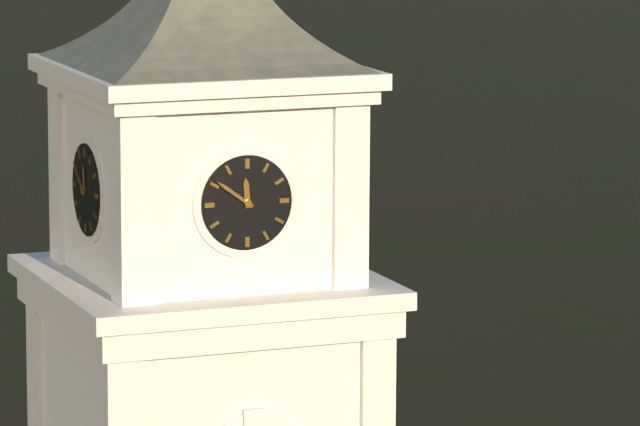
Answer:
11:51
